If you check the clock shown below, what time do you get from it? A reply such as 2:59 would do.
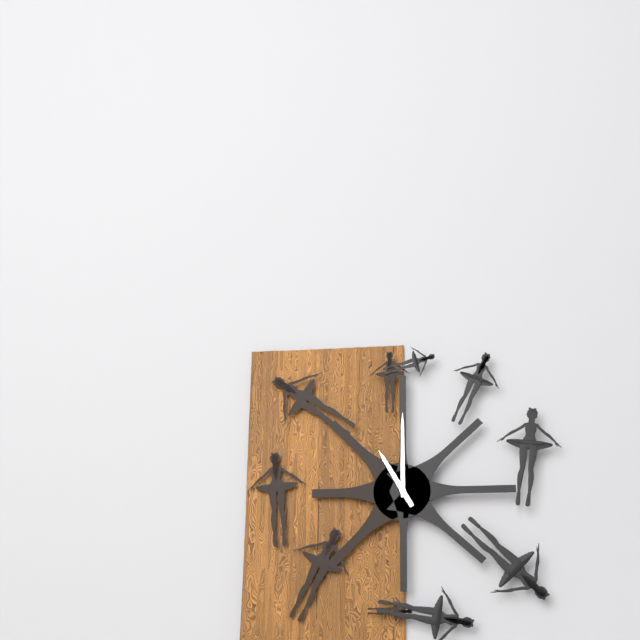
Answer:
11:00
